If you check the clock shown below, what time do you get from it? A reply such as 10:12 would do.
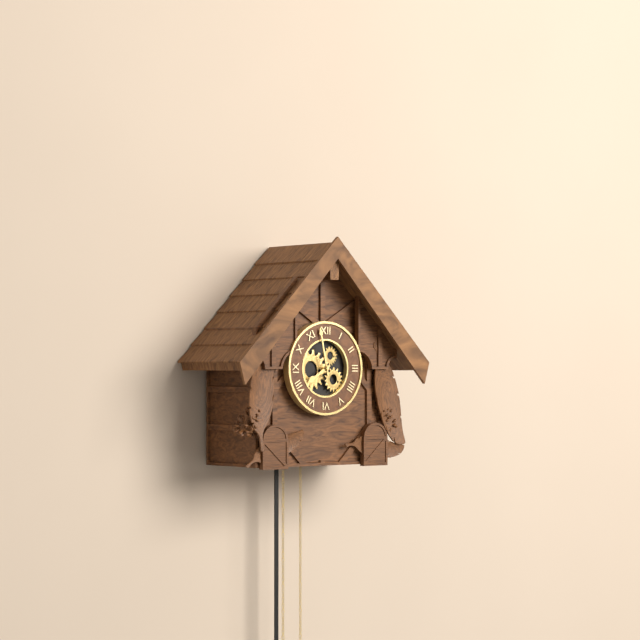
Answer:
7:58
